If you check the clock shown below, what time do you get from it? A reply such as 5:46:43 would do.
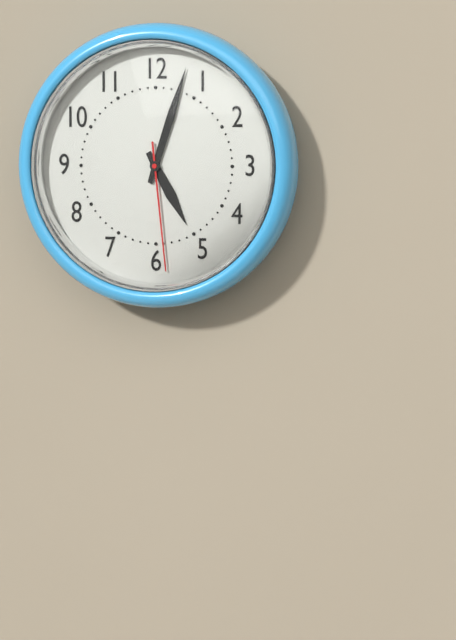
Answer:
5:03:29
